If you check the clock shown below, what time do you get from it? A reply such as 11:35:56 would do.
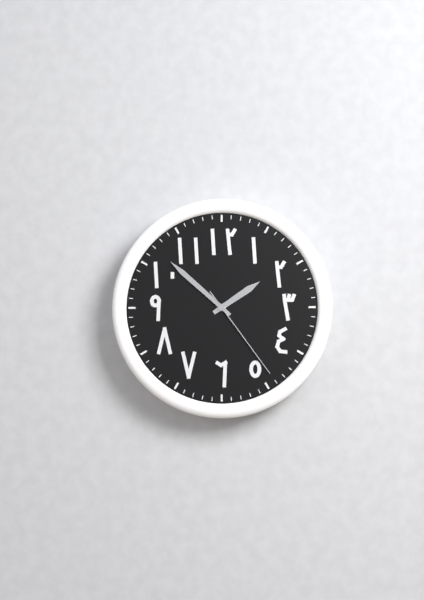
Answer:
1:52:24
